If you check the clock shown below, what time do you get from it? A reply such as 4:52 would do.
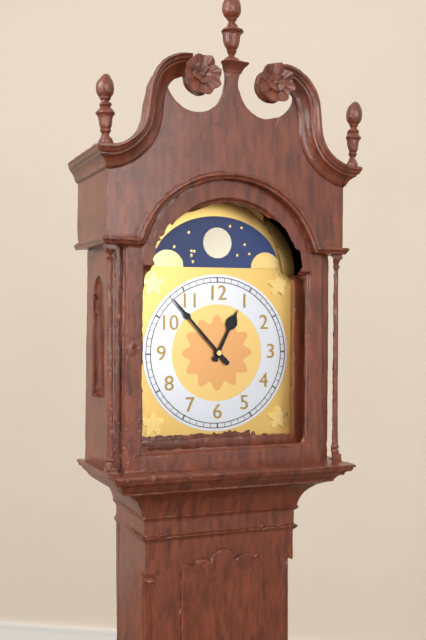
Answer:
12:53
